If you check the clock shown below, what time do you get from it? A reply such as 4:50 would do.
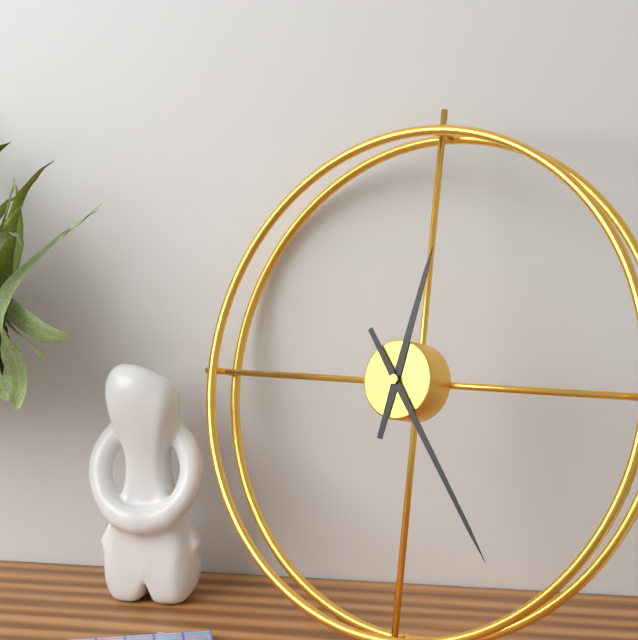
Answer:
12:24
